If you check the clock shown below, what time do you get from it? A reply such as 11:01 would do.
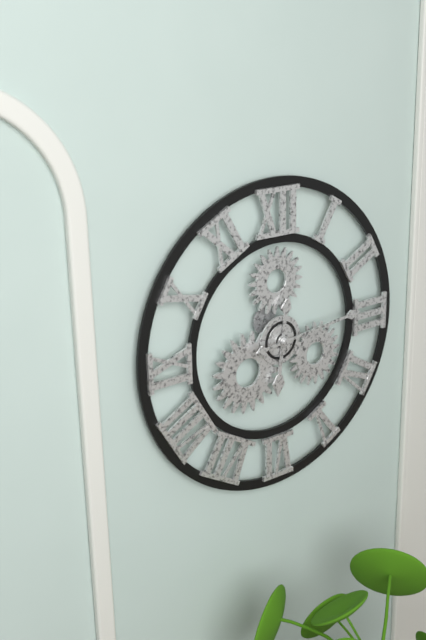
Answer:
6:14
